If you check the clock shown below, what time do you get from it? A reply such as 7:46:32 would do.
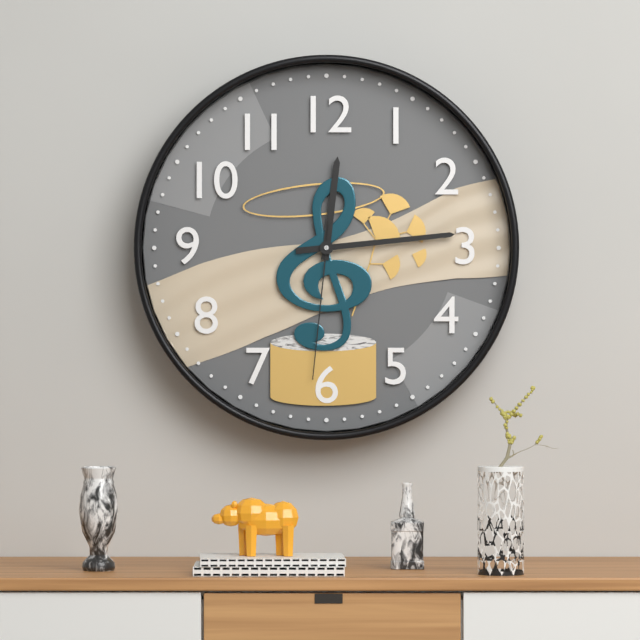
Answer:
12:14:31
